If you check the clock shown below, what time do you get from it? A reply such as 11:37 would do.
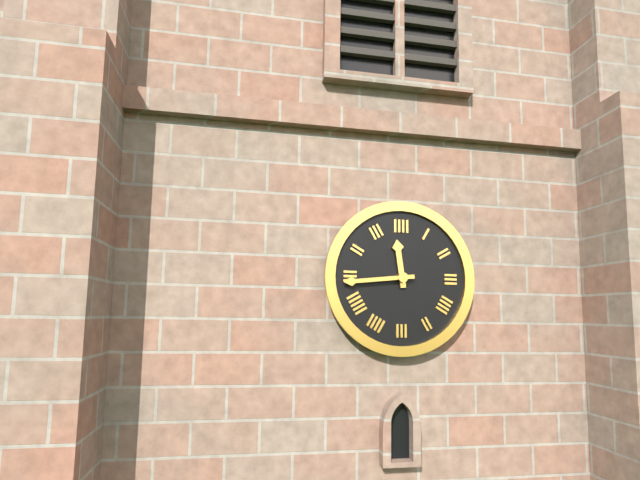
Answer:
11:44
